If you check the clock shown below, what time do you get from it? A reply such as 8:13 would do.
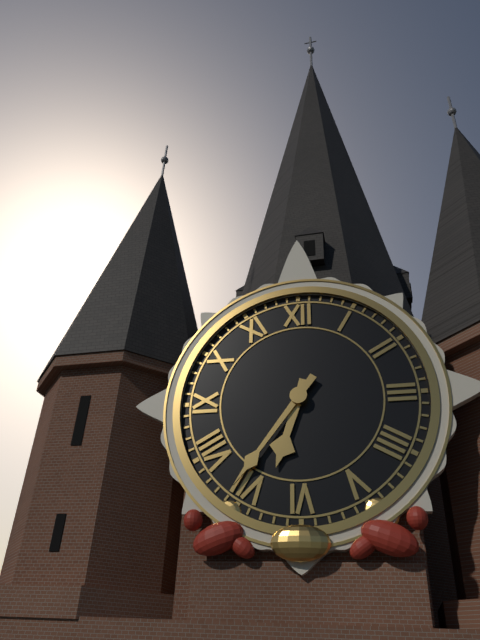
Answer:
6:36
